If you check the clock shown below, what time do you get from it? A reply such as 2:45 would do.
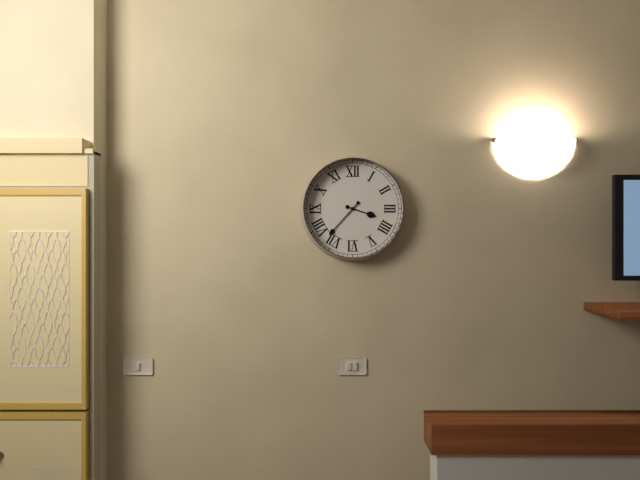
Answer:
3:37
